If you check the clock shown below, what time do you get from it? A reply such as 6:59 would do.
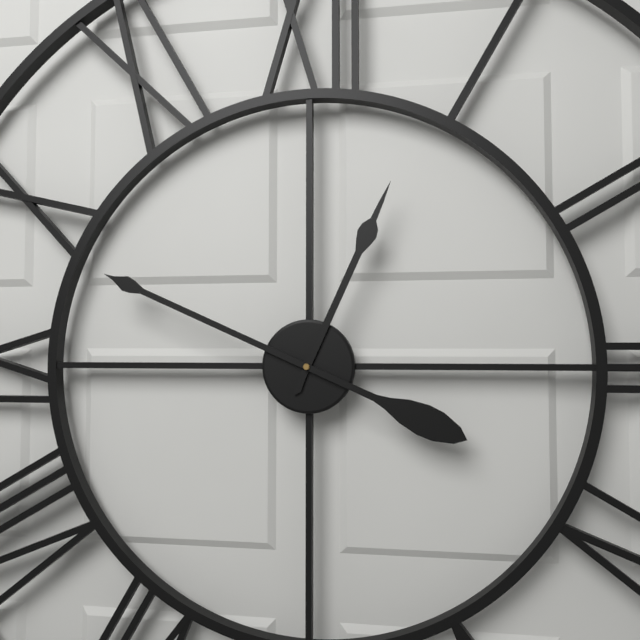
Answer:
12:49
